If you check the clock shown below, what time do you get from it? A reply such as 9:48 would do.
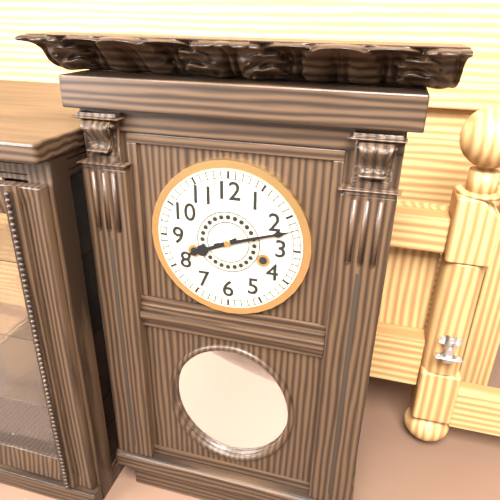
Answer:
8:12
